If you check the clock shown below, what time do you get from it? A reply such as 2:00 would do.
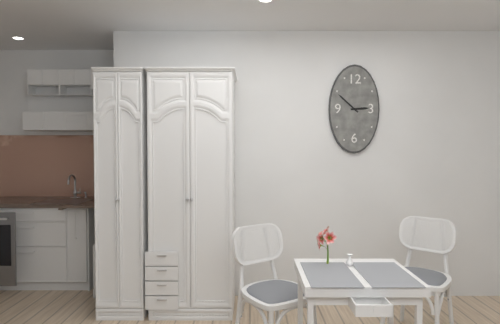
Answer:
2:52
